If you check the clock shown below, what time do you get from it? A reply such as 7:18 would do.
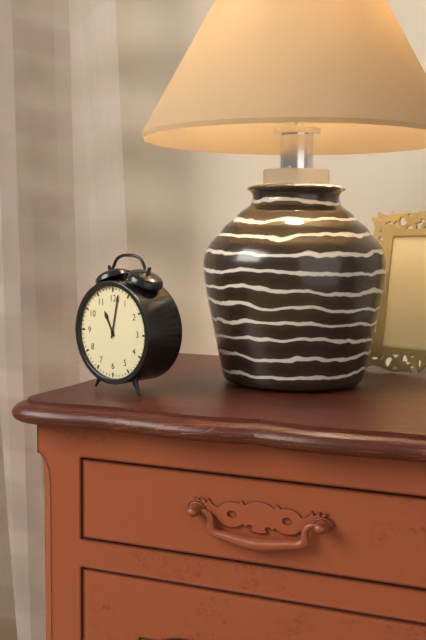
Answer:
11:02
